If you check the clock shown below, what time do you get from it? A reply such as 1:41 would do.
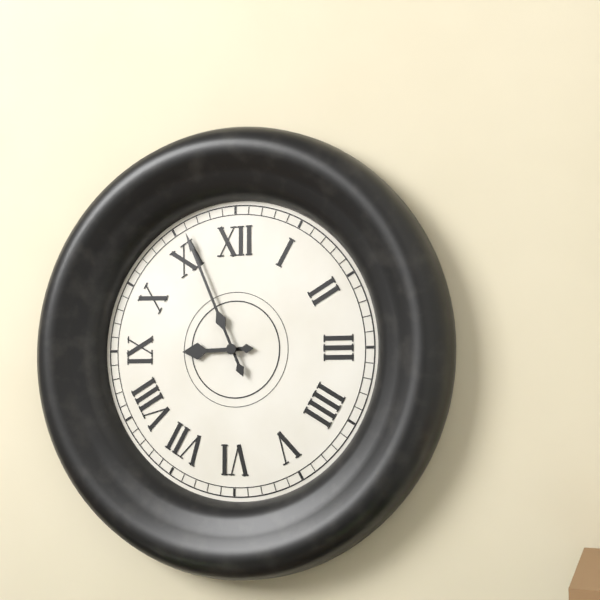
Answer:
8:56
